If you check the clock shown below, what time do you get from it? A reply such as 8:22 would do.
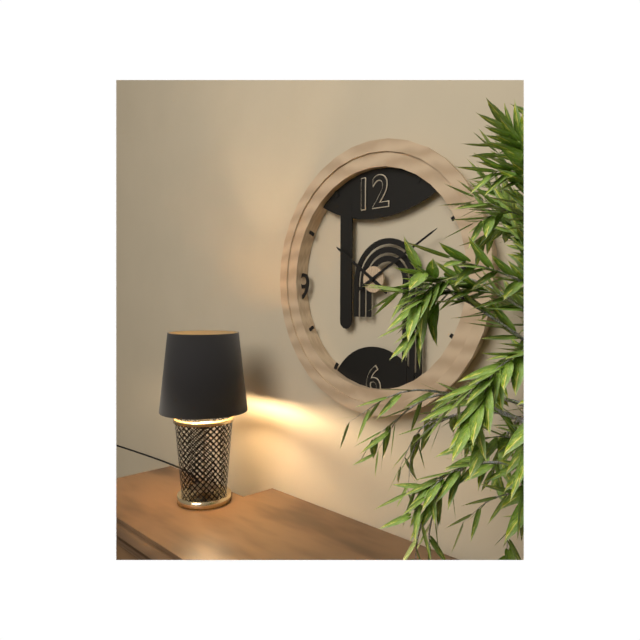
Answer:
10:10
